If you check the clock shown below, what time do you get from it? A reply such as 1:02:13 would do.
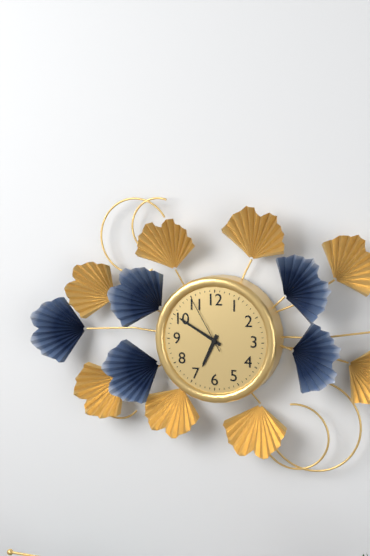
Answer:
6:50:55
